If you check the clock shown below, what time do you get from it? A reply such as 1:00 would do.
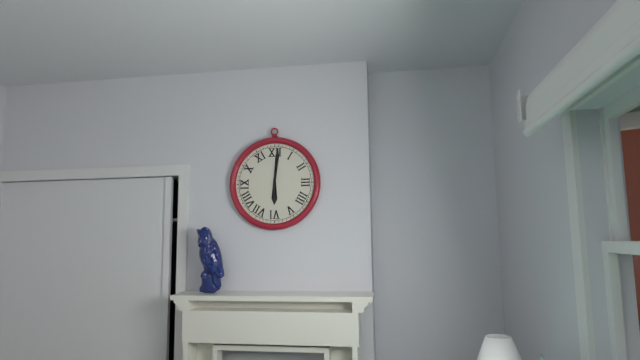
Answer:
6:01
